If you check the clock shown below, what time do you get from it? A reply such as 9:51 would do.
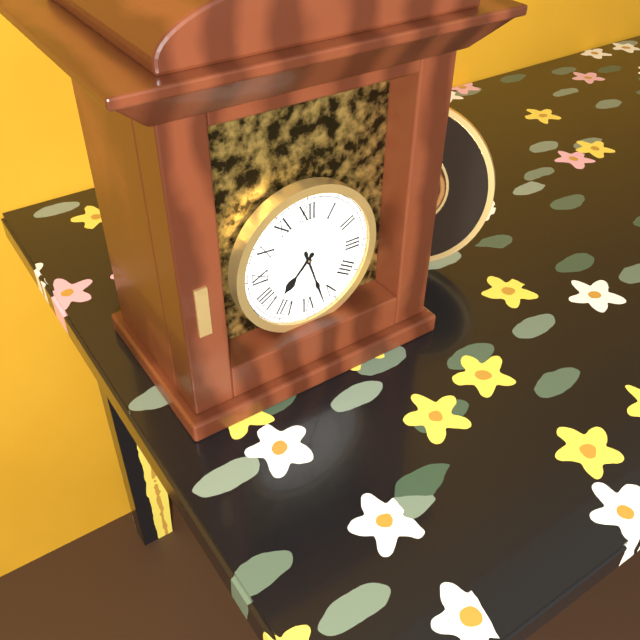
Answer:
7:27
